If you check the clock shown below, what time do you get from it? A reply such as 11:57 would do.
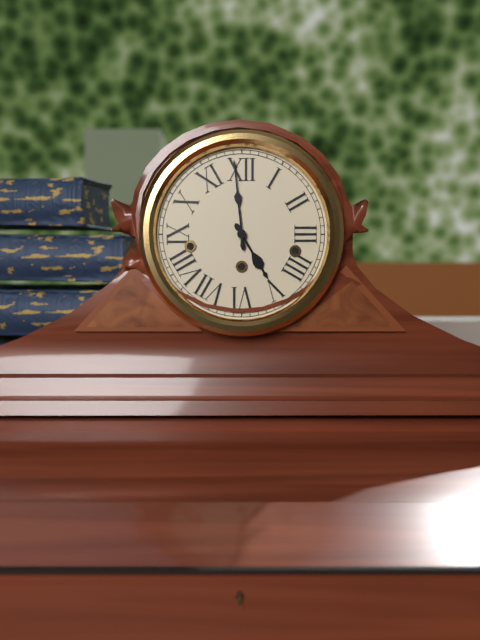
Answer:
4:59
